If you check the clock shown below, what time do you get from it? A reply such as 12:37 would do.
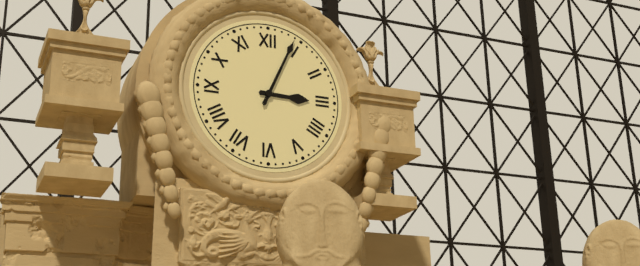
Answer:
3:04
